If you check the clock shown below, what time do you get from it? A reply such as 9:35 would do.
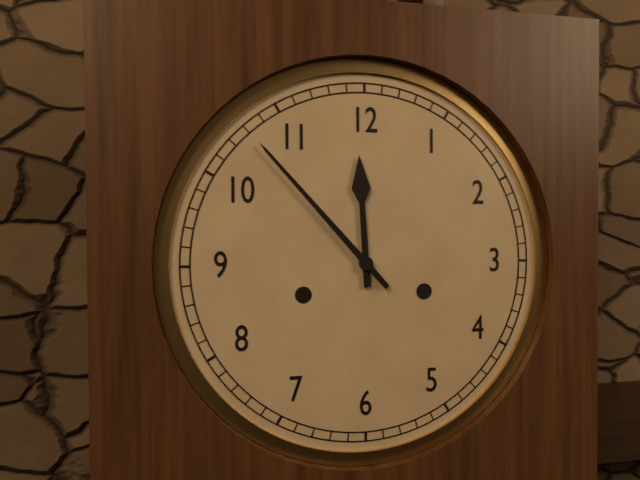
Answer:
11:53
